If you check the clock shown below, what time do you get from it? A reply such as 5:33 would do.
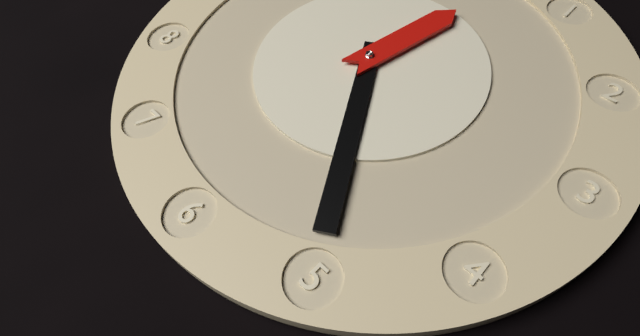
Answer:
12:25
